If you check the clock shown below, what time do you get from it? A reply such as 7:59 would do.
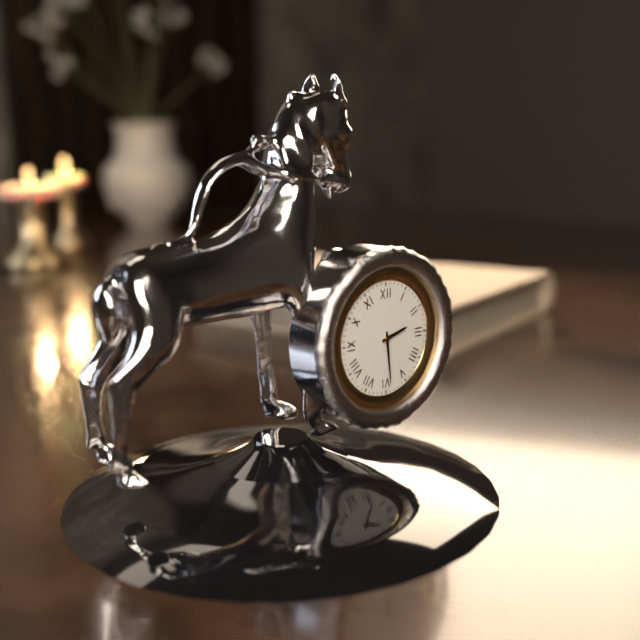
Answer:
2:29
